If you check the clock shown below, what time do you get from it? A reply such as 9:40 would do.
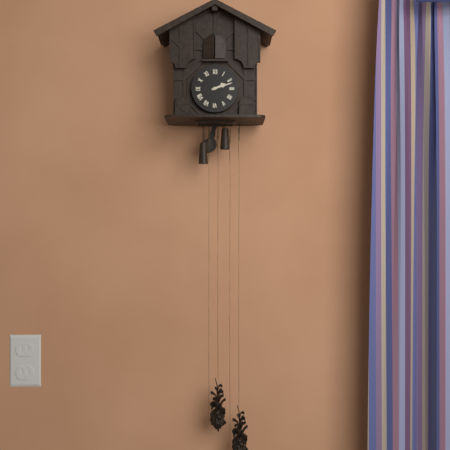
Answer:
2:12
